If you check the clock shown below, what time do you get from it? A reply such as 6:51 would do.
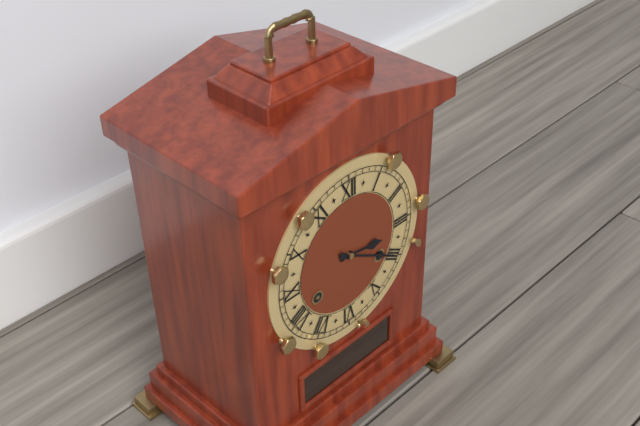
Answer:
3:20
